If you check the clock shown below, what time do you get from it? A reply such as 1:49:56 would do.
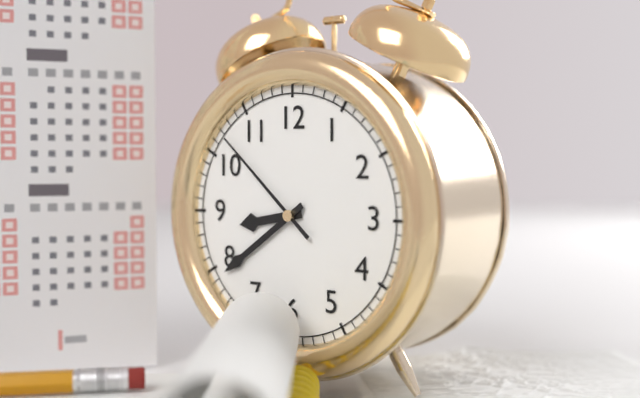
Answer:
8:39:52
